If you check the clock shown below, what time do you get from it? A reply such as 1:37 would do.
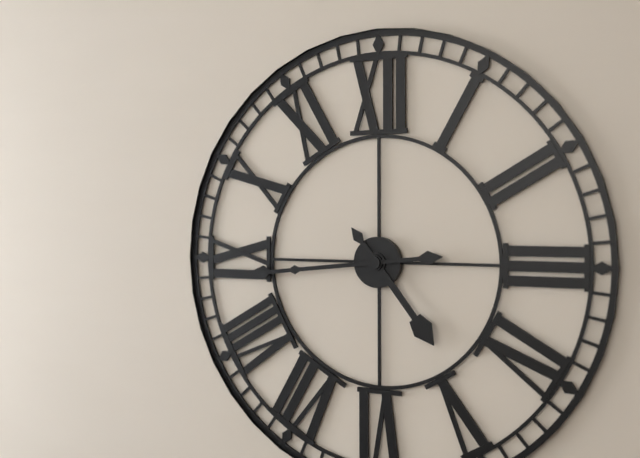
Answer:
4:44
